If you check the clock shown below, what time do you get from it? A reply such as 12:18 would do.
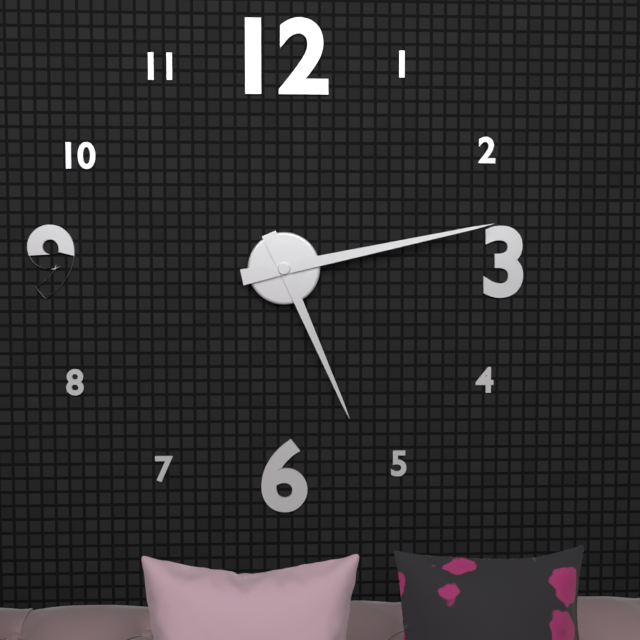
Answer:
5:13
